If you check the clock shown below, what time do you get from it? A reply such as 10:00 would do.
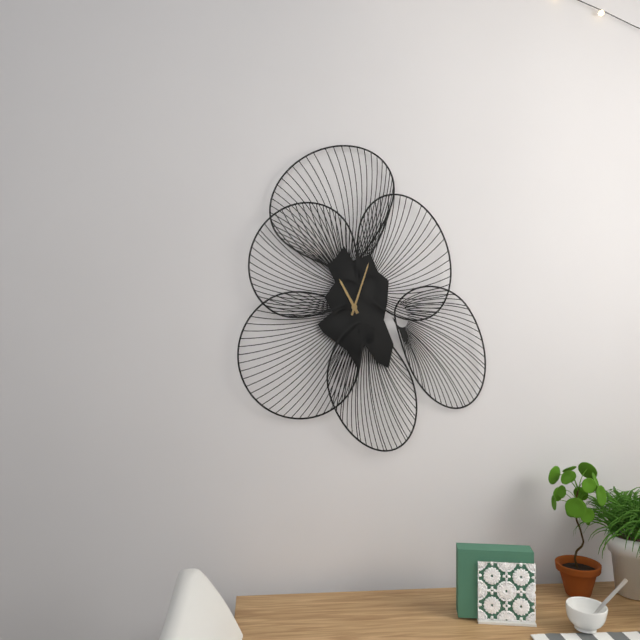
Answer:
11:03
